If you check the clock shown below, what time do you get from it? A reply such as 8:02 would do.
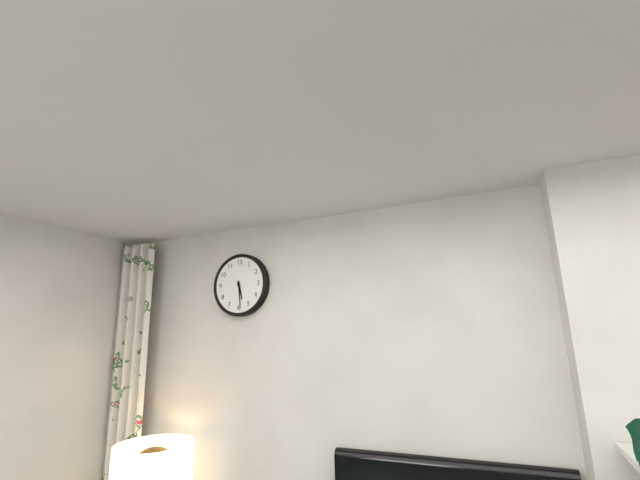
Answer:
5:29
